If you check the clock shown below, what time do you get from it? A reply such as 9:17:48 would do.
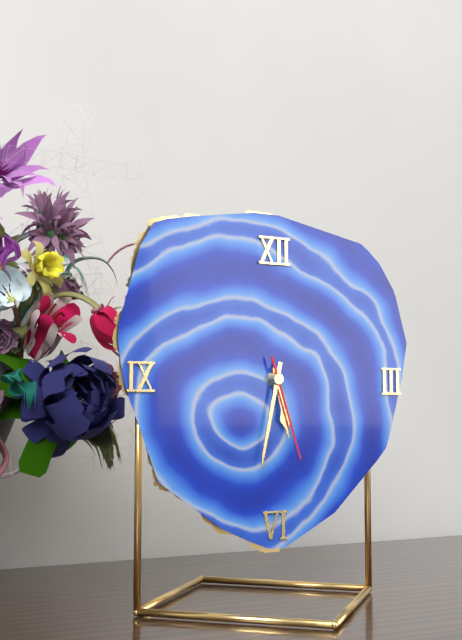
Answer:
5:32:27
